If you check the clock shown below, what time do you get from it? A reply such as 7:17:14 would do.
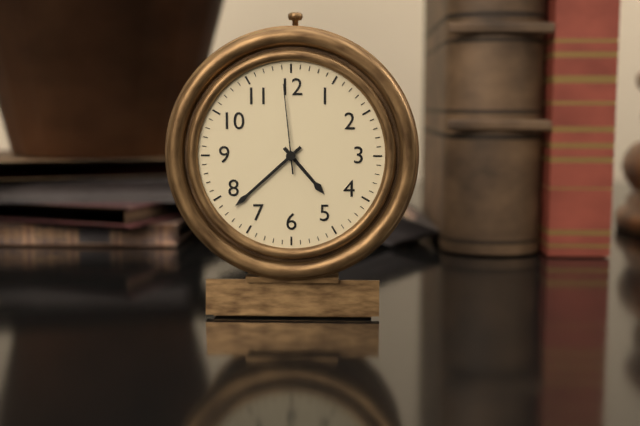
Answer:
4:38:59
